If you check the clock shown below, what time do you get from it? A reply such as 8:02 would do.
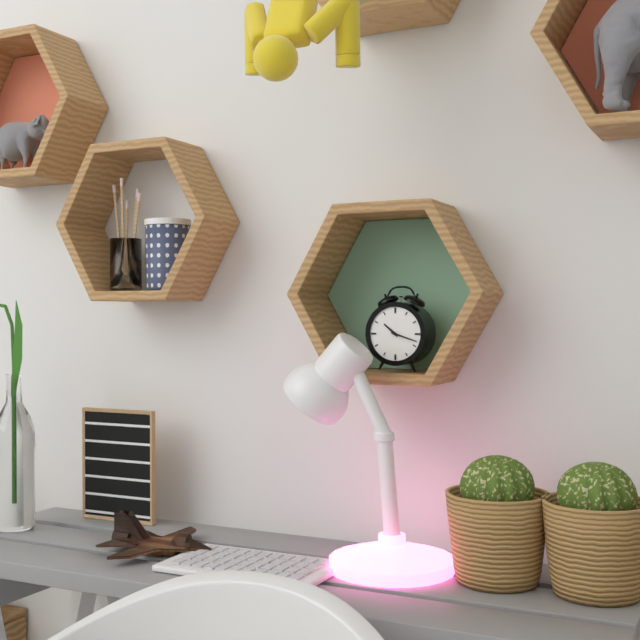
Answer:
10:18
